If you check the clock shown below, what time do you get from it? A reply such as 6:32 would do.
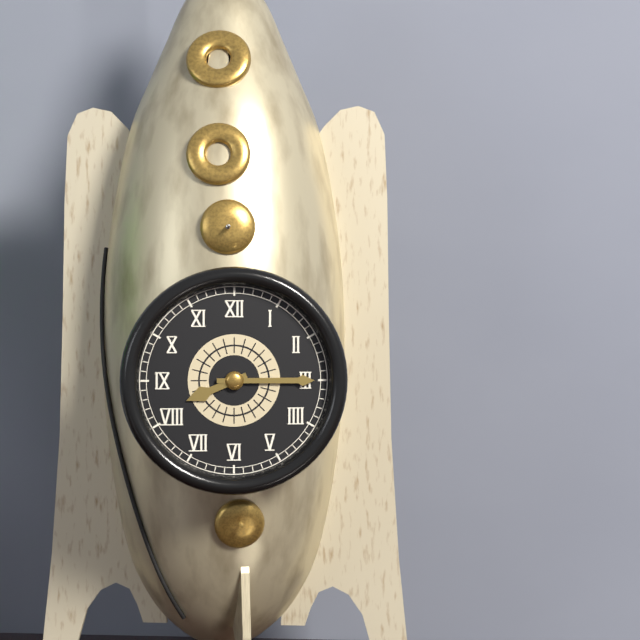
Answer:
8:15
